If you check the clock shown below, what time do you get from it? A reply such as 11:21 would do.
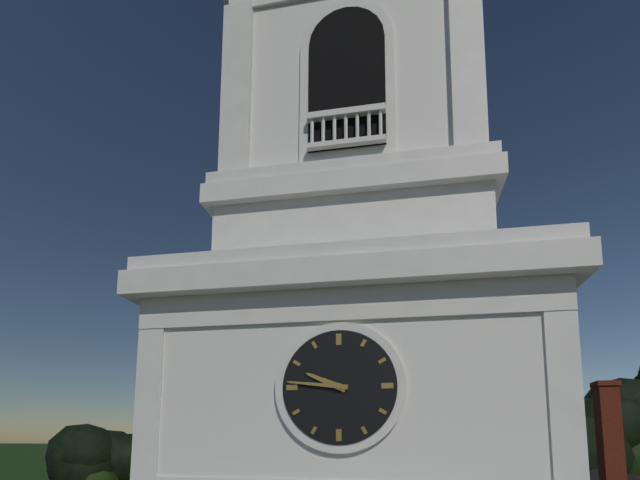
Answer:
9:46
